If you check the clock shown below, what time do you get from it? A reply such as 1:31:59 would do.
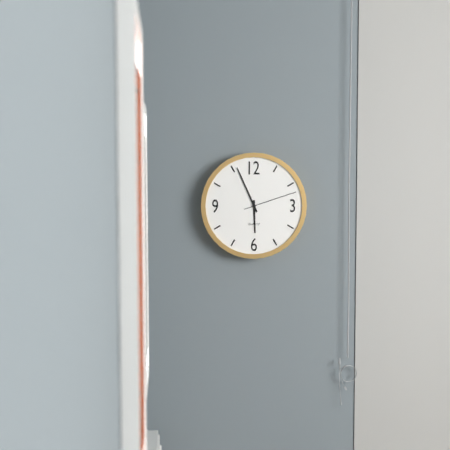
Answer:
5:56:12
